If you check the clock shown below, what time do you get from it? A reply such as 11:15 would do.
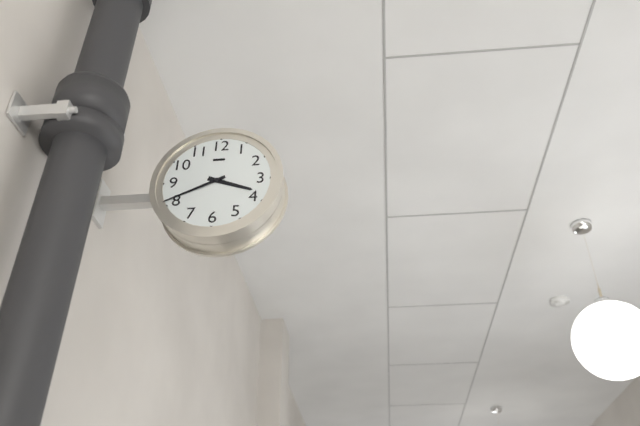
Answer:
3:41
